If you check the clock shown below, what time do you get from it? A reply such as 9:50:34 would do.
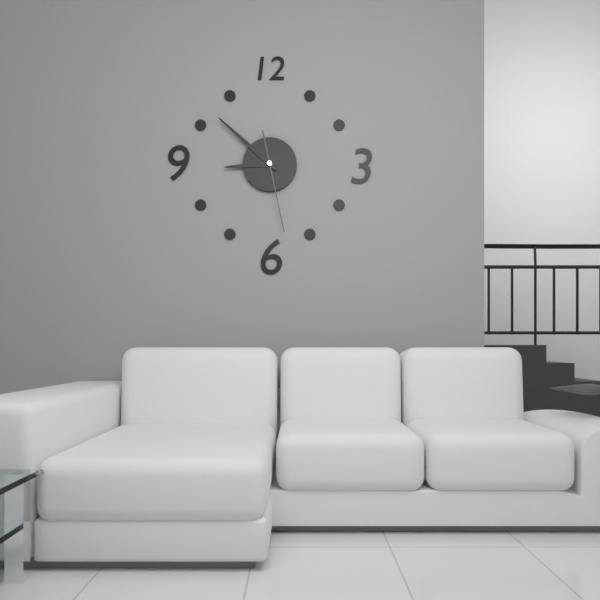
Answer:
8:52:28
